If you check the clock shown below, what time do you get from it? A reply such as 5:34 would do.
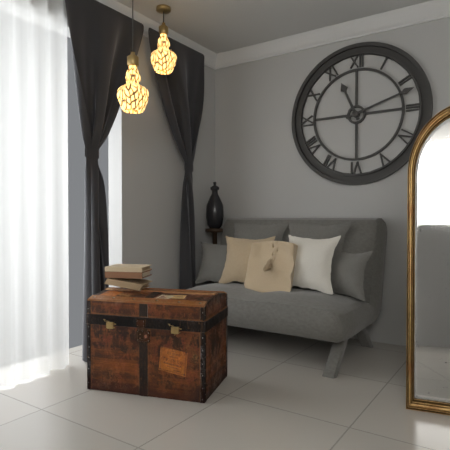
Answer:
11:12
